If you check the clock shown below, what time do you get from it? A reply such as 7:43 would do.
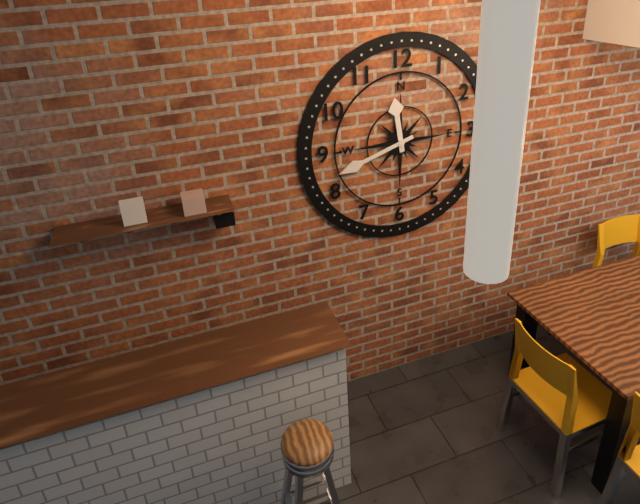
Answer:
11:42
